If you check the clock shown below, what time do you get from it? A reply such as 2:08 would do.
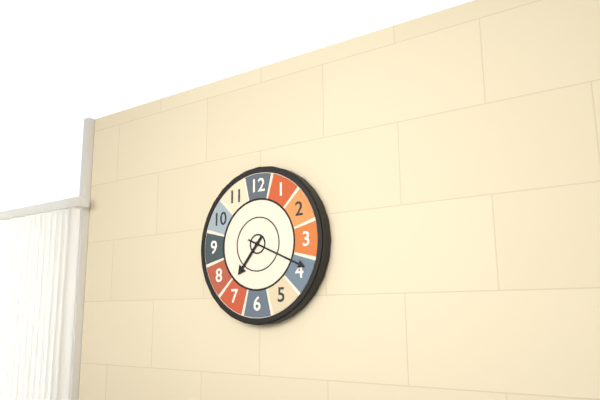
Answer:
7:19
